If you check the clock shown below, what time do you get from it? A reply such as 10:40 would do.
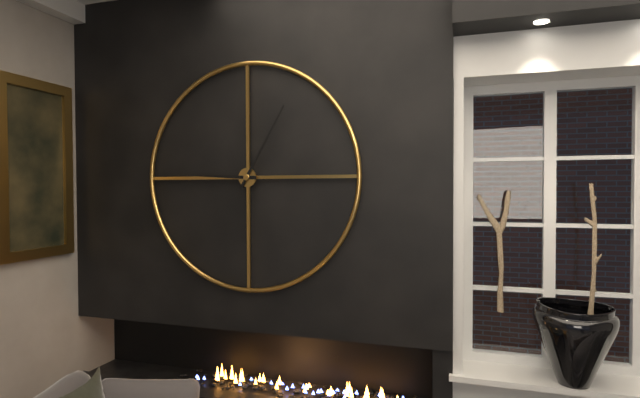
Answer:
9:05
